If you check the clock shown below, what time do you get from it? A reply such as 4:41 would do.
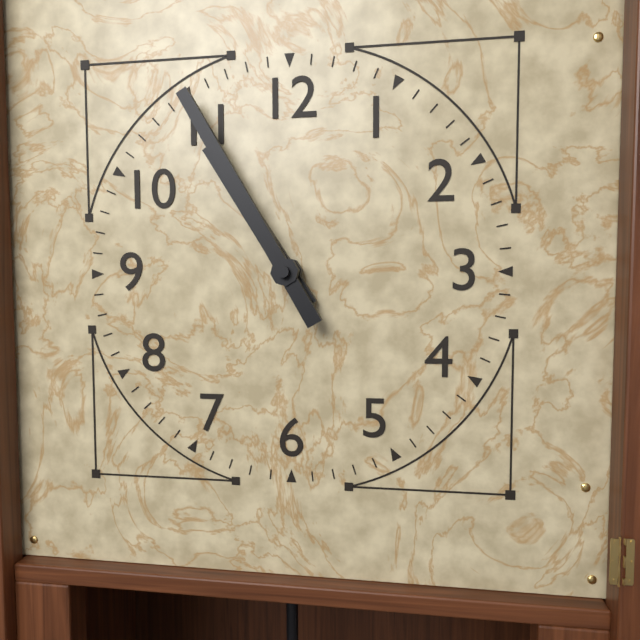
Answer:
10:55
